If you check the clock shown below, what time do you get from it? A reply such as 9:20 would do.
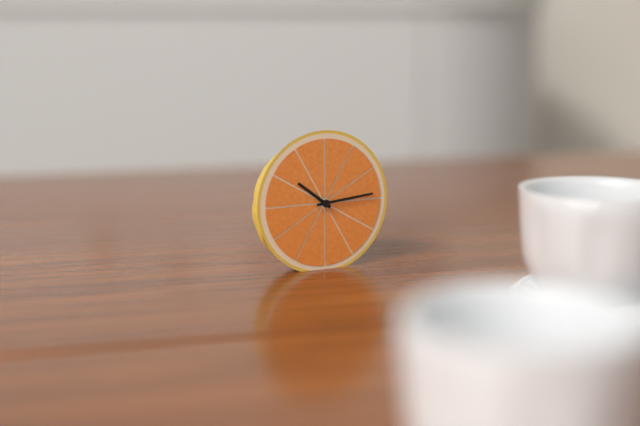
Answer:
10:14
